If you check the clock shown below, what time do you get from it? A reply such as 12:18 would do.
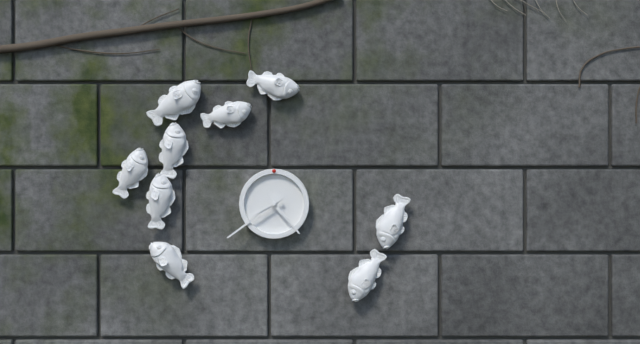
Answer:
4:39
